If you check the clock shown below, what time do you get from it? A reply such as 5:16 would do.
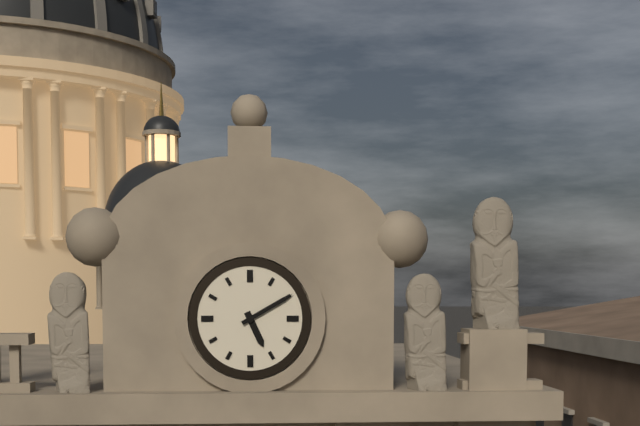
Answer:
5:10
